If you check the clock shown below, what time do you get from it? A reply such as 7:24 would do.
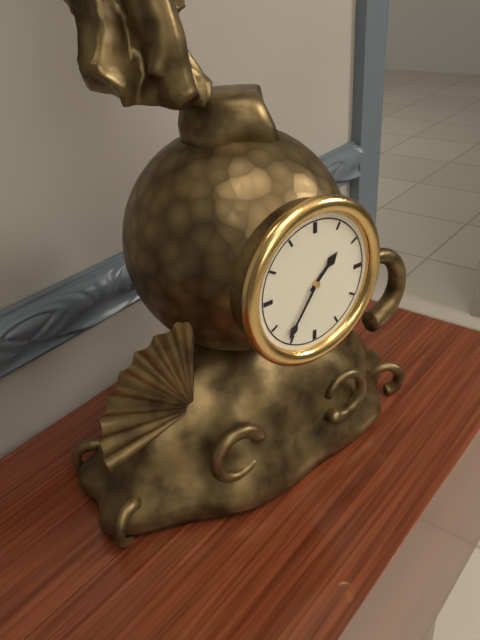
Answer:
1:36
